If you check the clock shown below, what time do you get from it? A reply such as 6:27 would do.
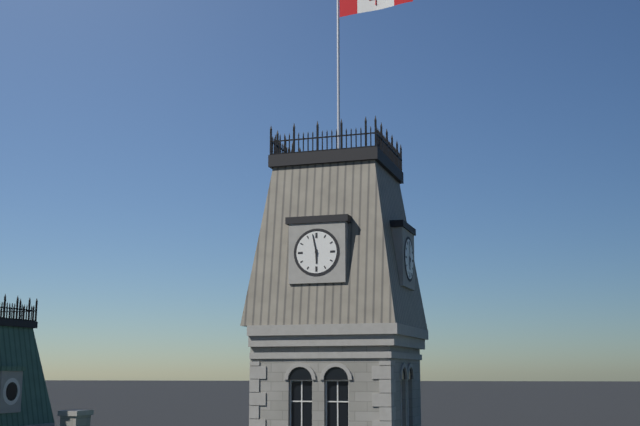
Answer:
5:58
